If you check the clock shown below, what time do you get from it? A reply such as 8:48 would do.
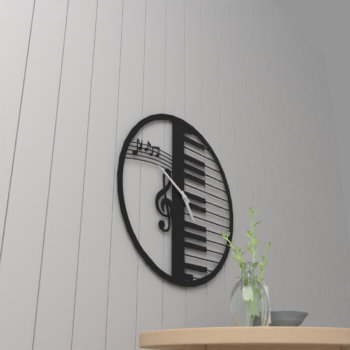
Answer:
4:50
